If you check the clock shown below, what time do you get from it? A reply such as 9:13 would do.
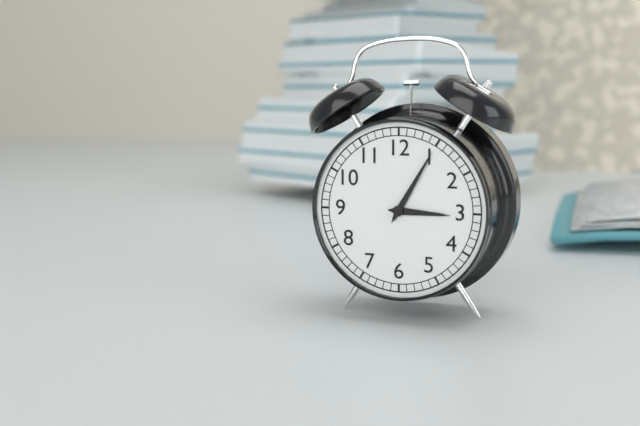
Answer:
3:05
